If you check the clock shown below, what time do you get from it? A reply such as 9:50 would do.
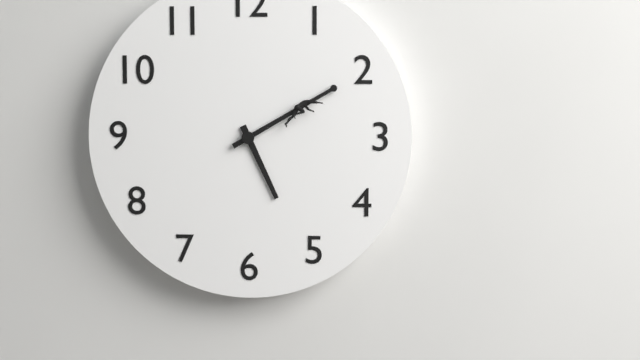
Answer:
5:10
